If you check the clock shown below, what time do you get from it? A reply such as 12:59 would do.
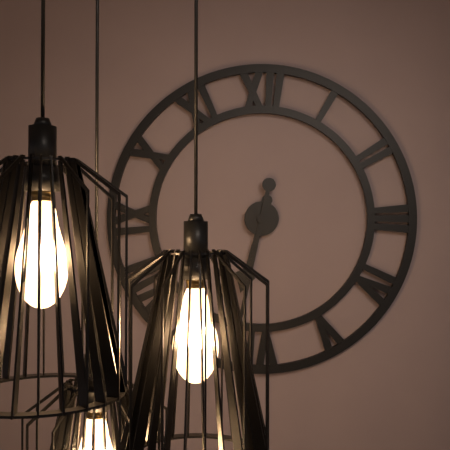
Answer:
6:32
